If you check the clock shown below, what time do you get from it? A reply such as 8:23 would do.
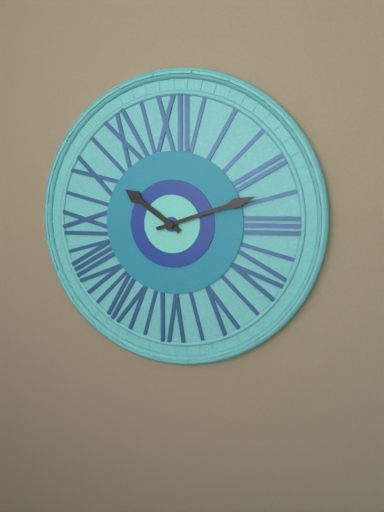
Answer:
10:12
